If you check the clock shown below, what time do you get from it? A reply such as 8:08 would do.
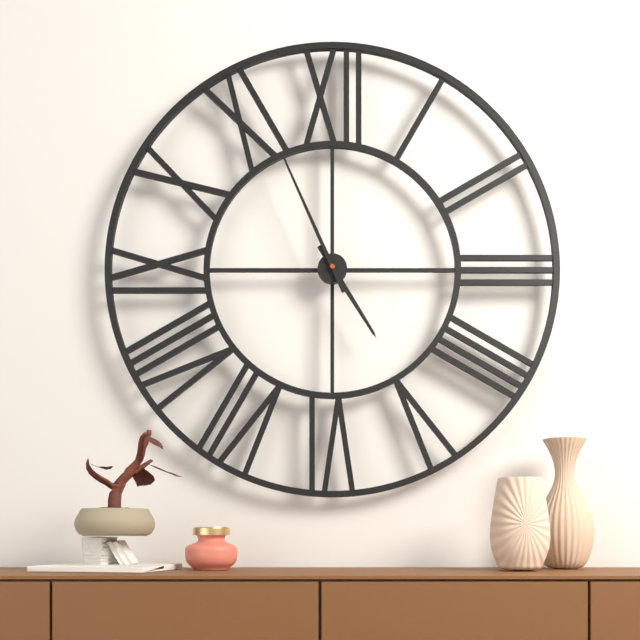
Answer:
4:56
